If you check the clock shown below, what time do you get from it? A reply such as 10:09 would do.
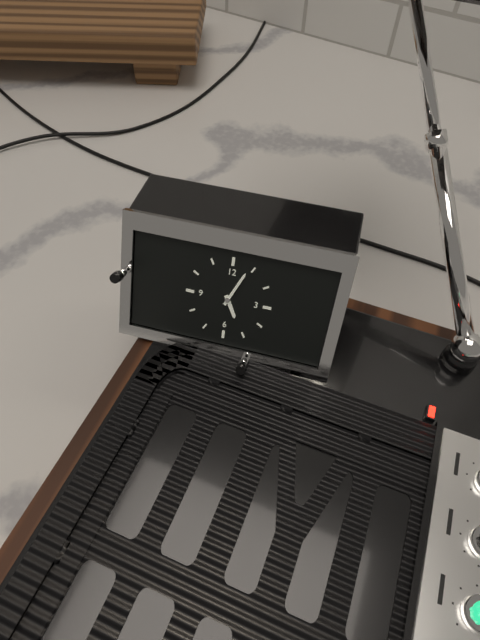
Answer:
5:04
